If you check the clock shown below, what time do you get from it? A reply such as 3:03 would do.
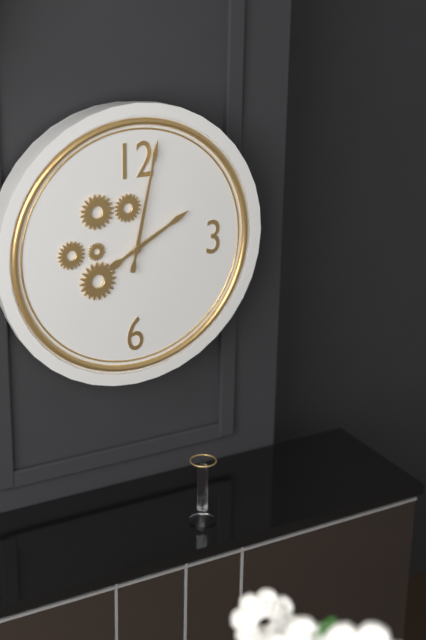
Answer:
2:02
